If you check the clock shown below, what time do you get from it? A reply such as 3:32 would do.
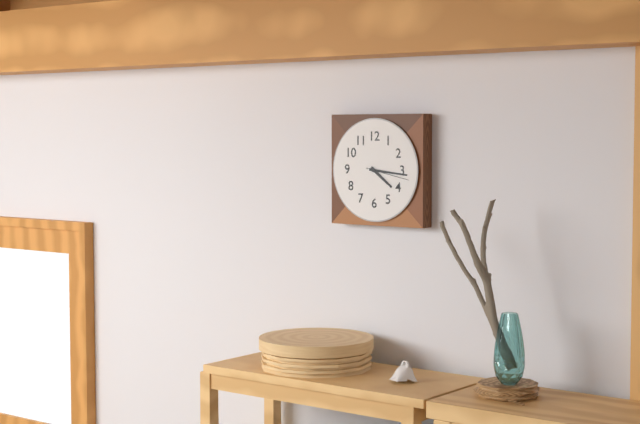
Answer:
4:16
